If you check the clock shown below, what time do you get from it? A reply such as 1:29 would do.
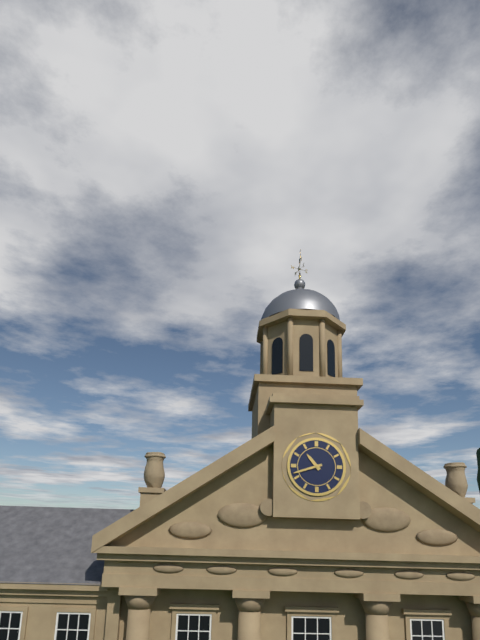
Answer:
10:42
